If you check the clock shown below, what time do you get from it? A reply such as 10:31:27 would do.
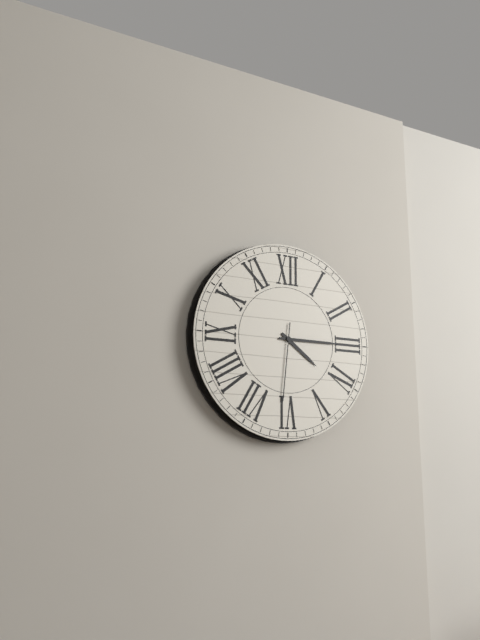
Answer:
4:15:31
